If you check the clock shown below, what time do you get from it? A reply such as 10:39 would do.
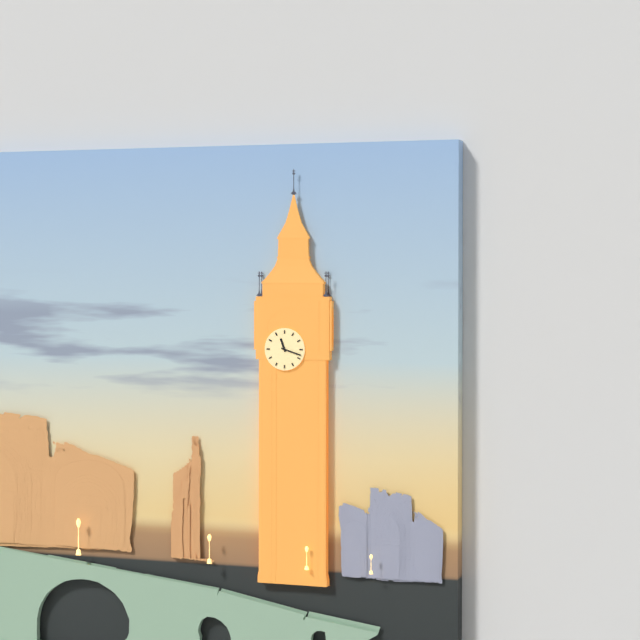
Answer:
11:18
